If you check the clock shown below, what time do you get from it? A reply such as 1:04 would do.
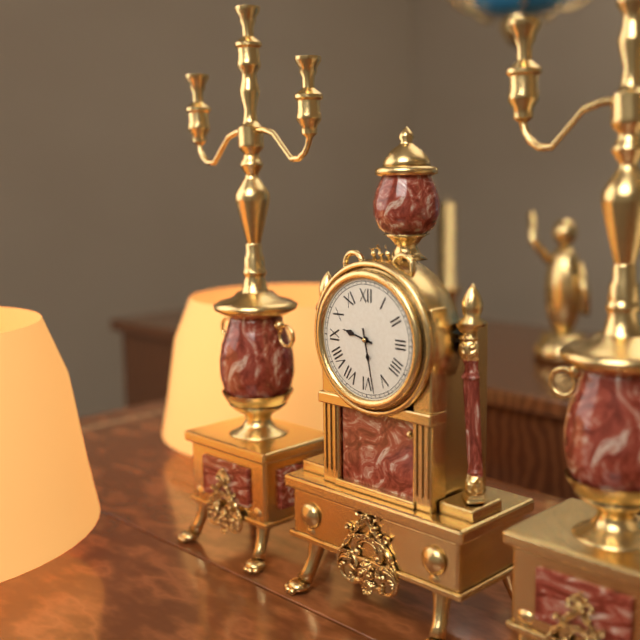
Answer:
9:28
